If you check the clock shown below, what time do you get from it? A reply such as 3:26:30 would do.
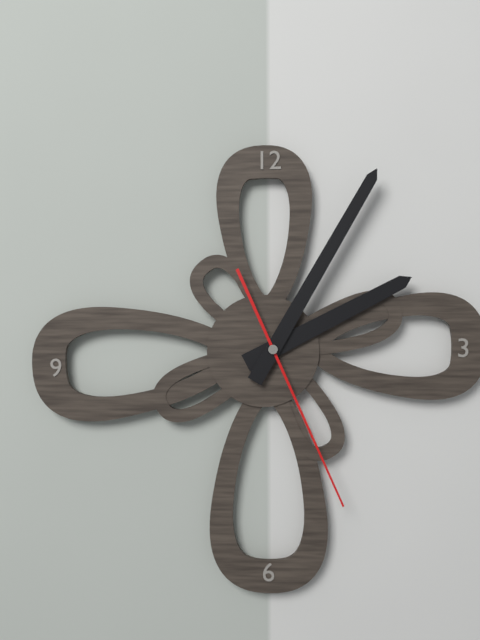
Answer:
2:05:26
